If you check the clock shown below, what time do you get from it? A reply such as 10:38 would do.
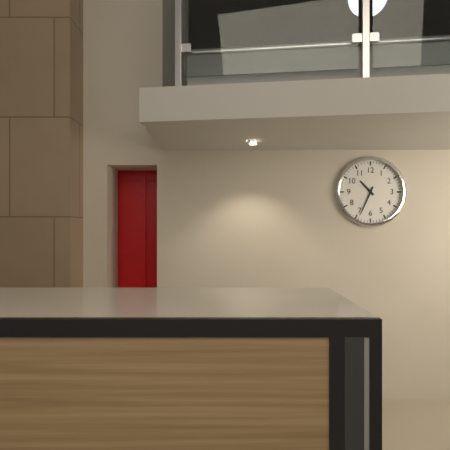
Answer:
10:34
